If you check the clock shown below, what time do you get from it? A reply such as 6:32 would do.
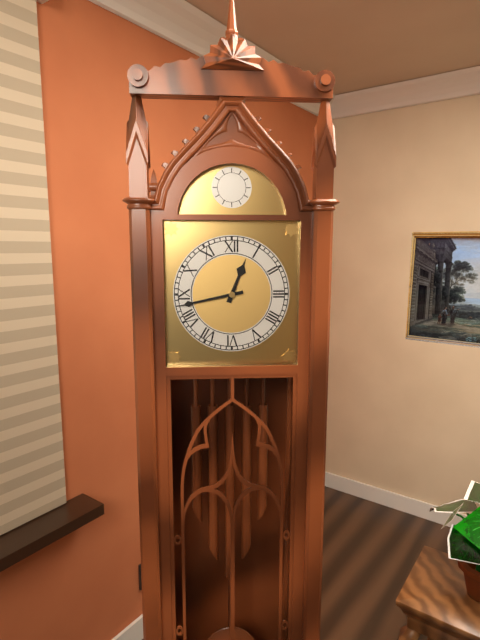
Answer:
12:43
